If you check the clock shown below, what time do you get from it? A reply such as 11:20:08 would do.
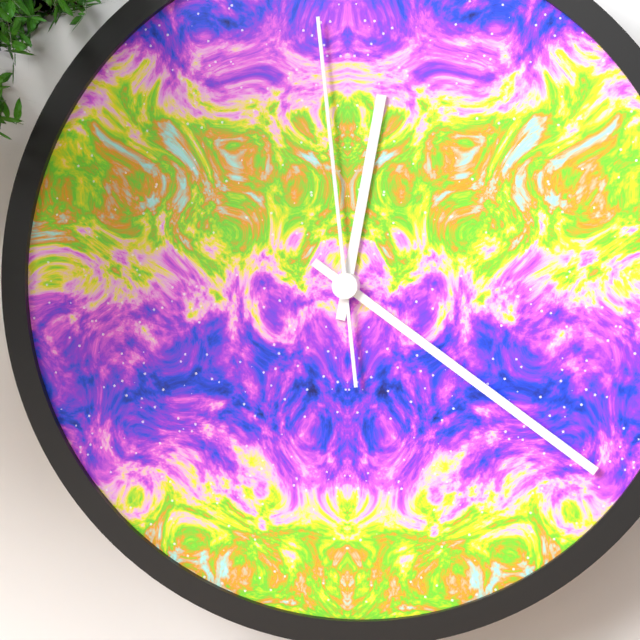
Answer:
12:21:59
